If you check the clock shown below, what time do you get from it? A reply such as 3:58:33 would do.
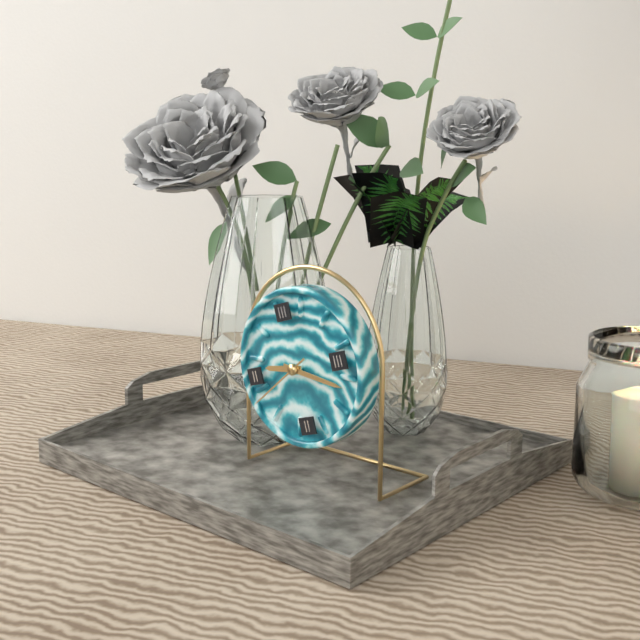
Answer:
9:19:41
